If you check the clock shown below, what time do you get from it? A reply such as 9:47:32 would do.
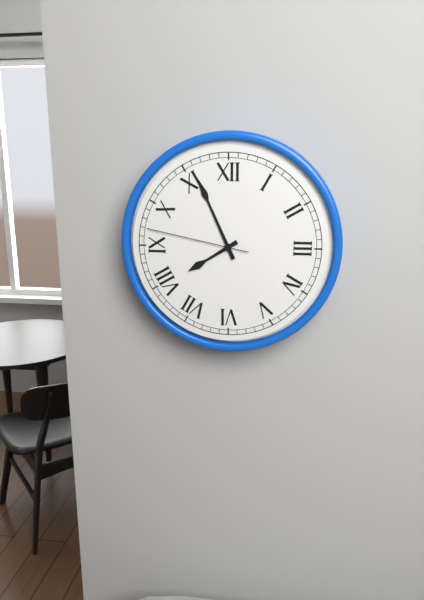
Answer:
7:56:47
